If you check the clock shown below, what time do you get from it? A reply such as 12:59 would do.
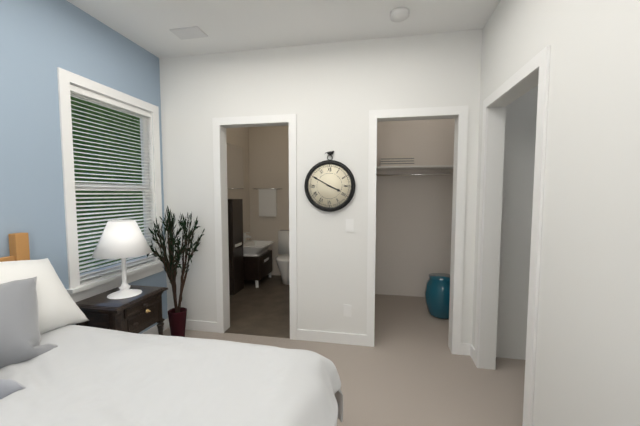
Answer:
3:50
